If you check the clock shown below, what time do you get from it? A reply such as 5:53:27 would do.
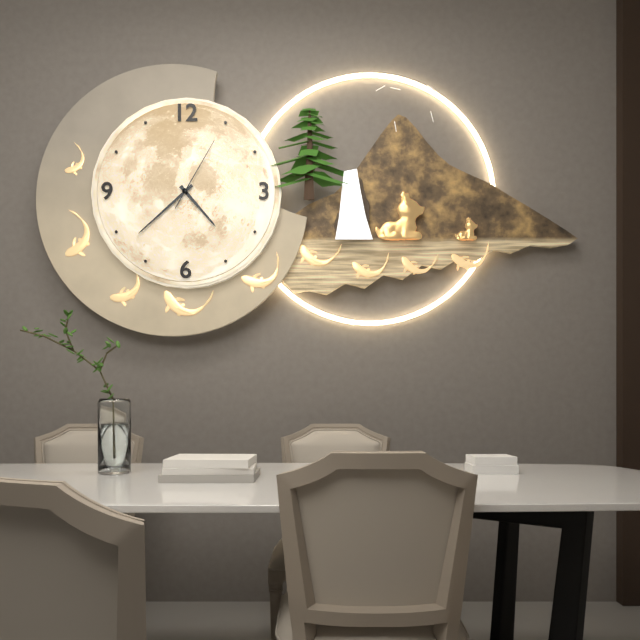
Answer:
4:38:05
